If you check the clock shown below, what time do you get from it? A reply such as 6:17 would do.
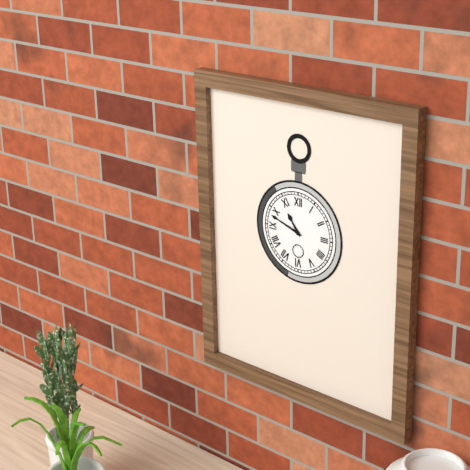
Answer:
10:48
